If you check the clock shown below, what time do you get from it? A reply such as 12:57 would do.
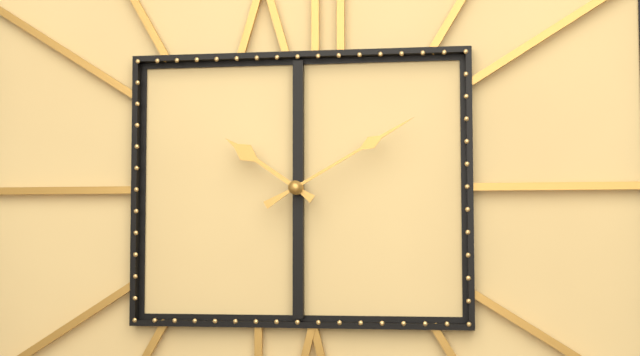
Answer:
10:10
